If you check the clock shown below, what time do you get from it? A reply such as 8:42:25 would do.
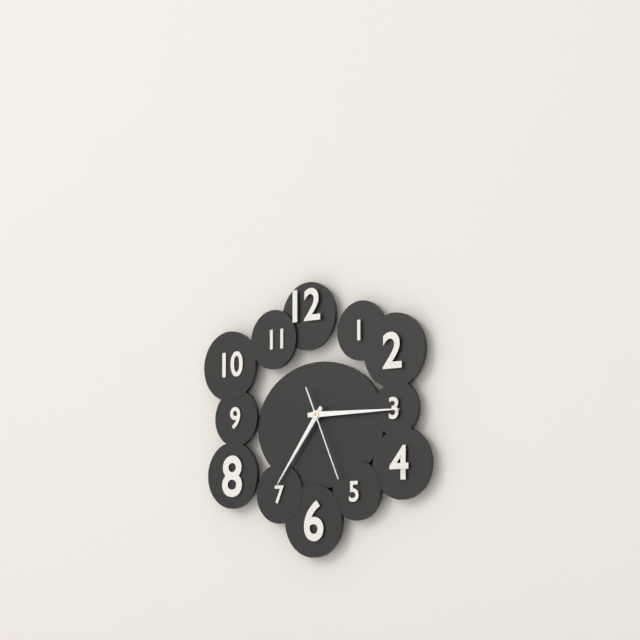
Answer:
7:15:26
